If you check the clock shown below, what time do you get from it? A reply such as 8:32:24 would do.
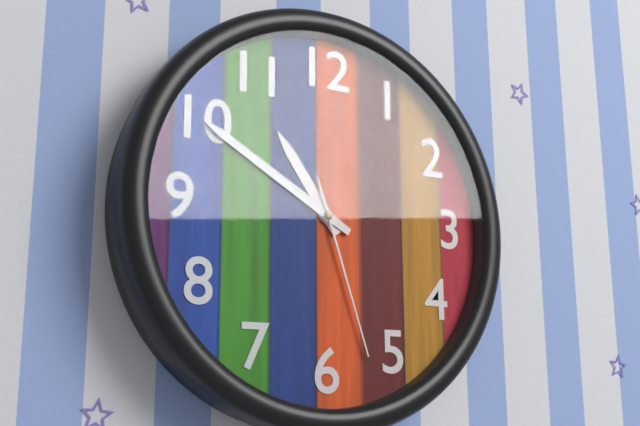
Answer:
10:50:27
